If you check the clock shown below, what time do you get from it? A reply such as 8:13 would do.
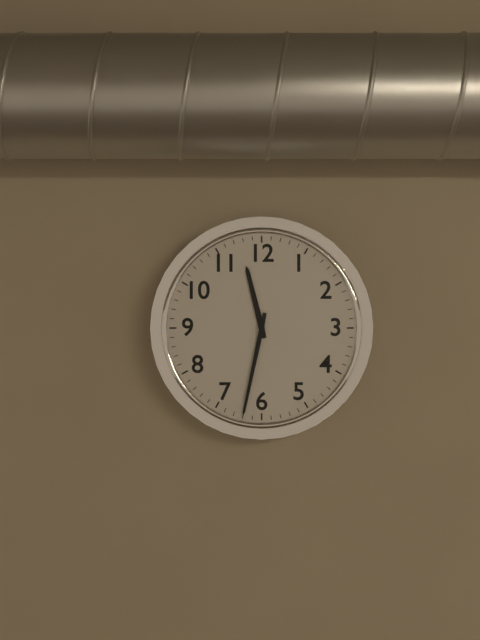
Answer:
11:32
